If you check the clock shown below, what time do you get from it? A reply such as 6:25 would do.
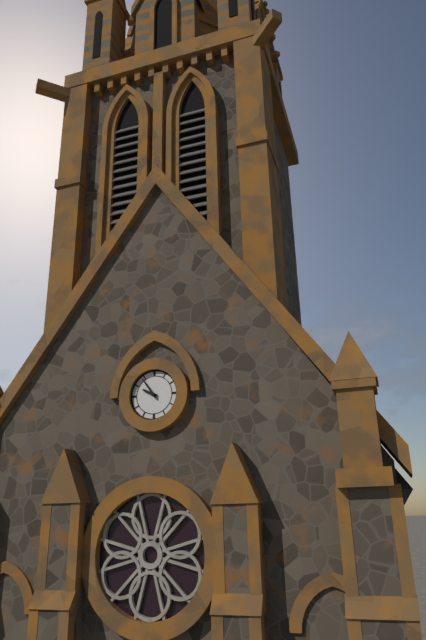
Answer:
9:54
